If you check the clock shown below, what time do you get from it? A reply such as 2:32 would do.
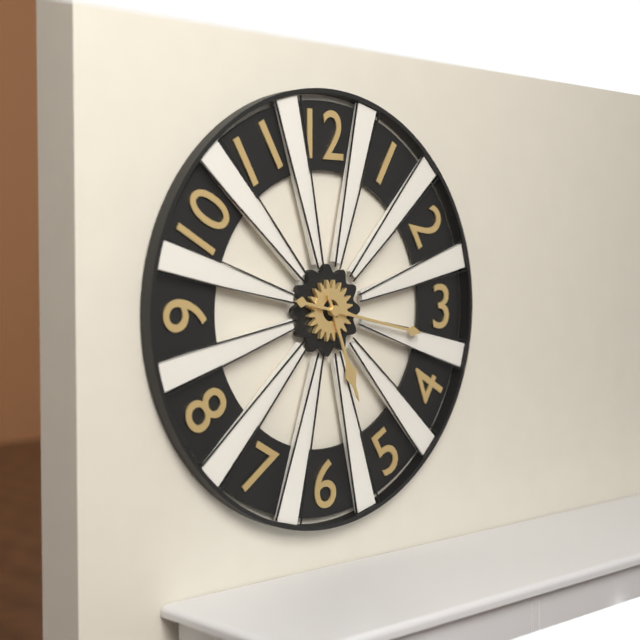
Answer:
5:17
